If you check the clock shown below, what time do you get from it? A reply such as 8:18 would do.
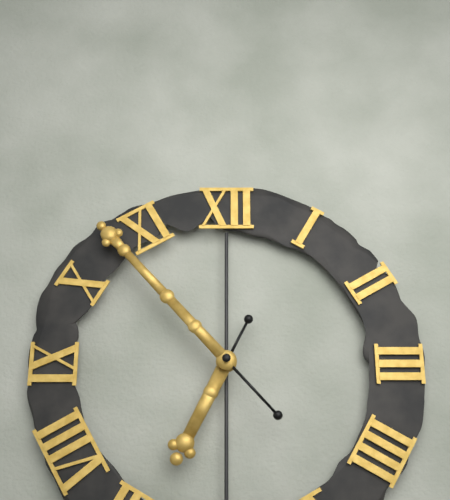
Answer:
6:53
